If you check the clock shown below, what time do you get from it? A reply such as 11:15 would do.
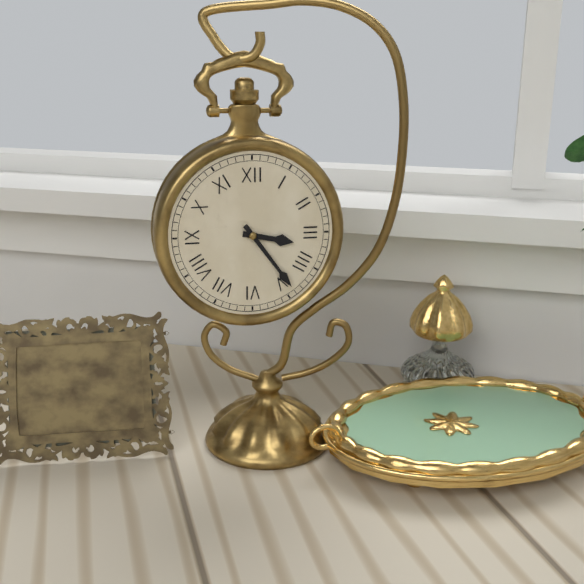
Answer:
3:24
